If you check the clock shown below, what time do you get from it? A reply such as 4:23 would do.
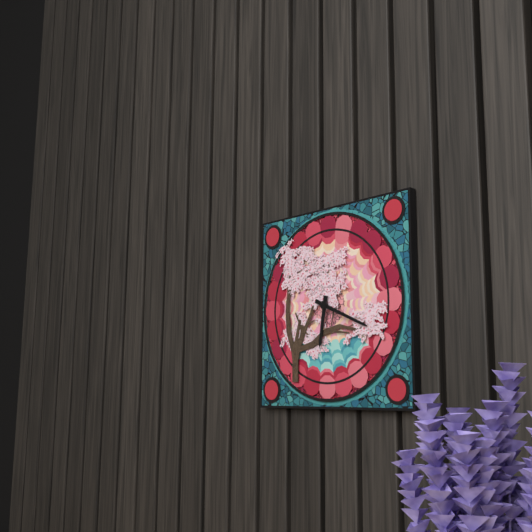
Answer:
6:19
